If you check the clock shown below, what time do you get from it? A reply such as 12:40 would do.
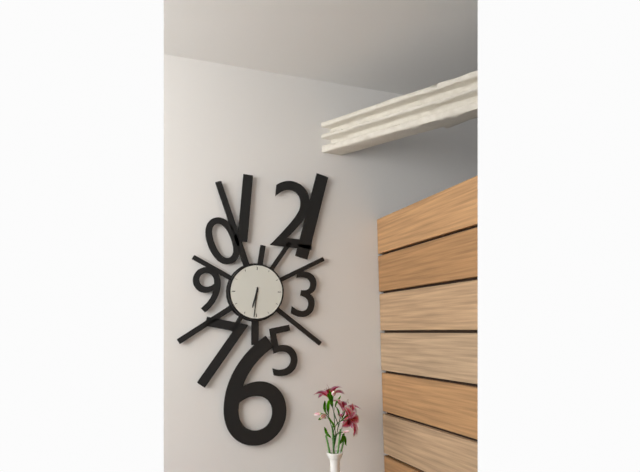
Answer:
6:31
